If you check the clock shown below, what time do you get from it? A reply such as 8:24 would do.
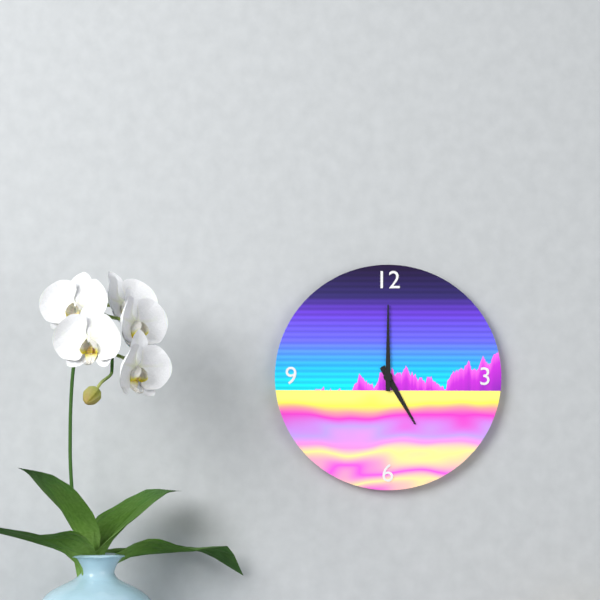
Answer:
5:00
